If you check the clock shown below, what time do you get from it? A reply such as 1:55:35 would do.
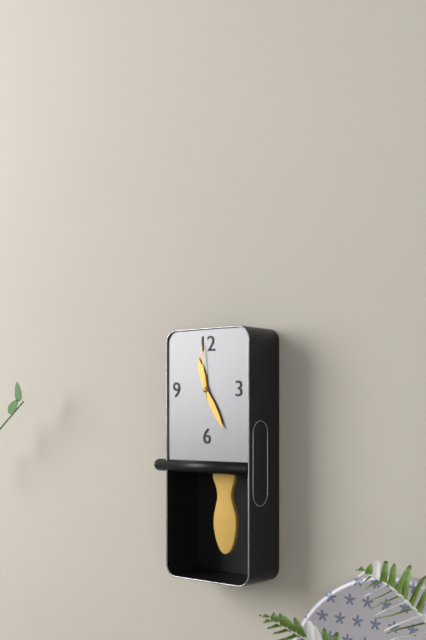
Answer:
11:25:59
